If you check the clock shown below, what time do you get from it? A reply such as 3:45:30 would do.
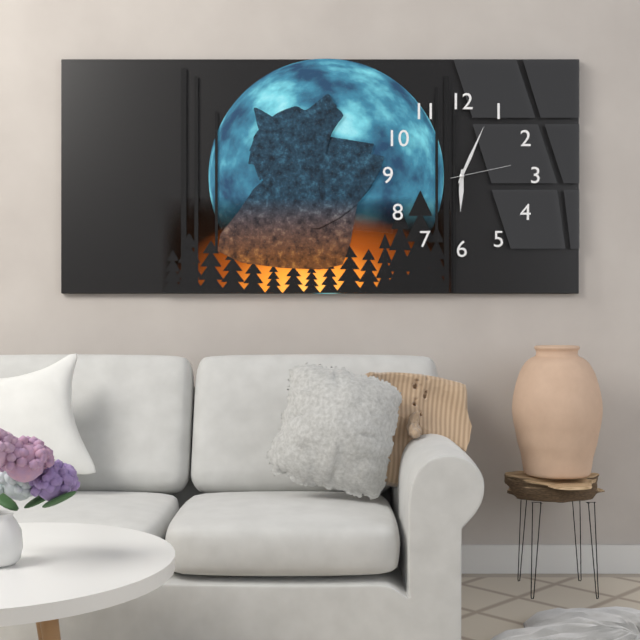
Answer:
6:04:13
